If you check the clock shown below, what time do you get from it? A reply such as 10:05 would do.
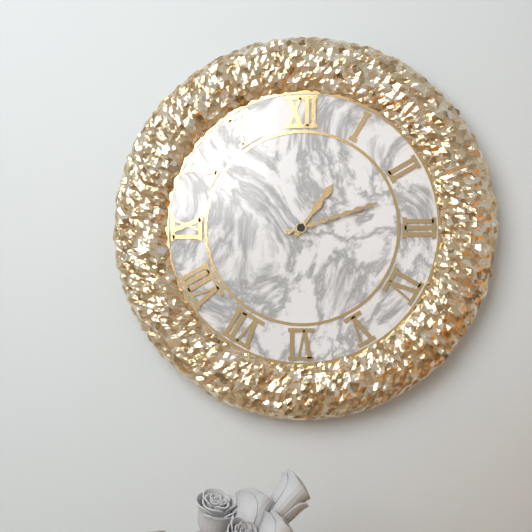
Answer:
1:12
